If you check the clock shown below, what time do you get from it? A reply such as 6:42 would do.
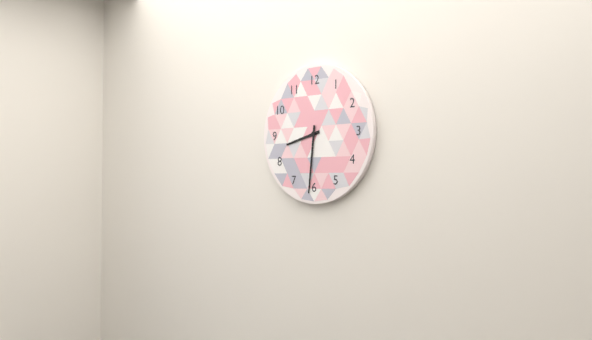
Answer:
8:31
